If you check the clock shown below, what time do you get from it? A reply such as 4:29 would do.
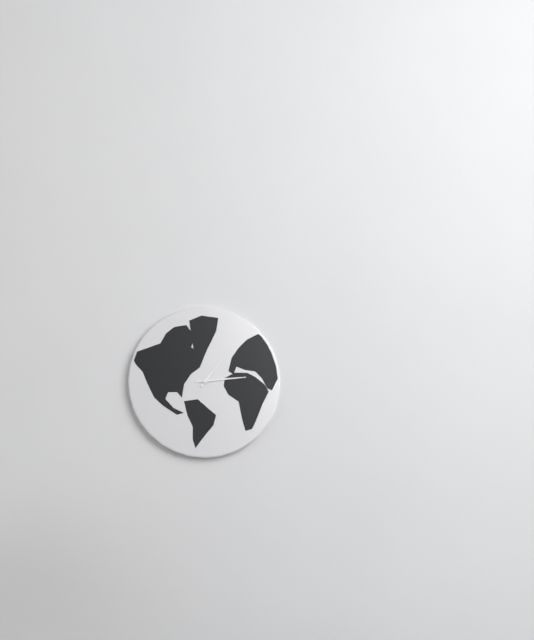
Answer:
1:14
